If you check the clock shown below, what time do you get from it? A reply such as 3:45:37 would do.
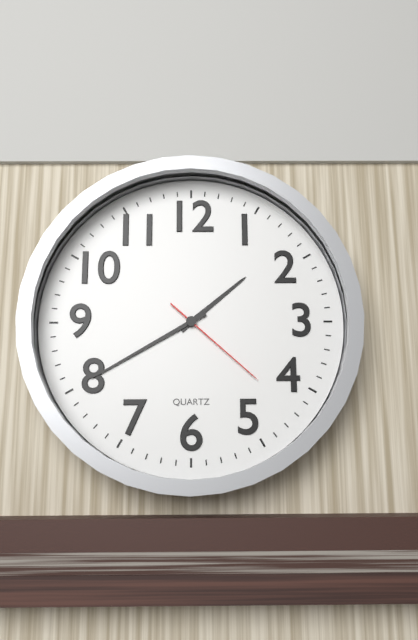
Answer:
1:40:22
